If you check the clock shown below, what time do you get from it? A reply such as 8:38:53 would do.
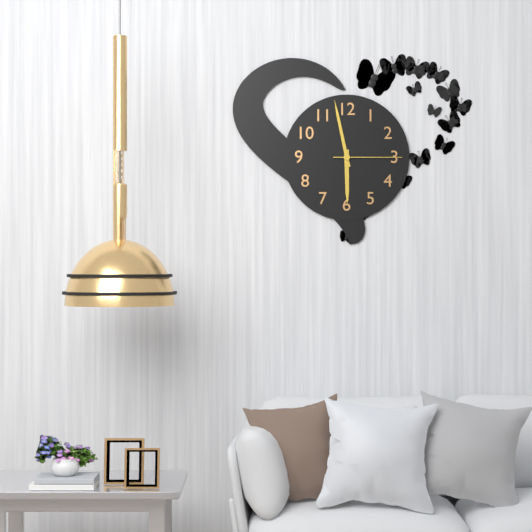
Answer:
5:58:15
